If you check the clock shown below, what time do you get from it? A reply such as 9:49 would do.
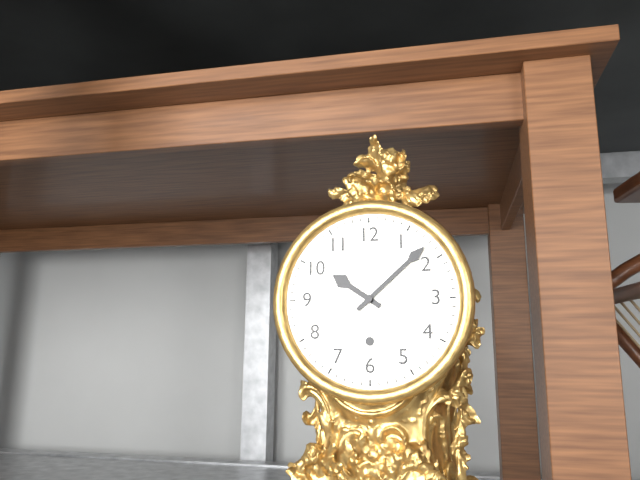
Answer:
10:08
